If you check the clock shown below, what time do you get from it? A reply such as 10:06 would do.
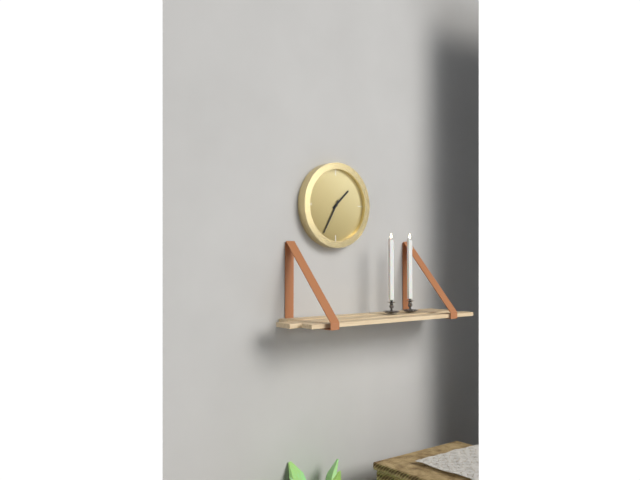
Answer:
1:35
